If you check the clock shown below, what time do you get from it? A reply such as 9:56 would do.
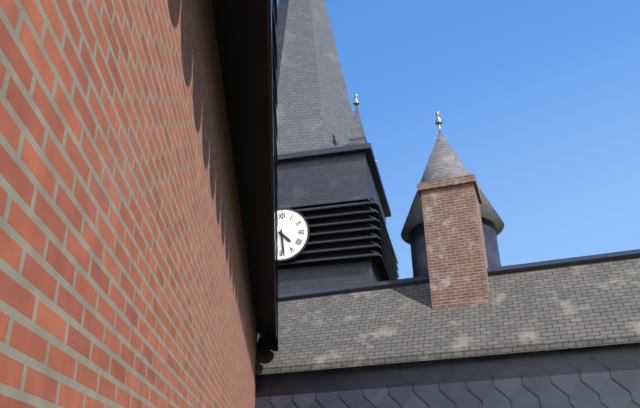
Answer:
4:29
